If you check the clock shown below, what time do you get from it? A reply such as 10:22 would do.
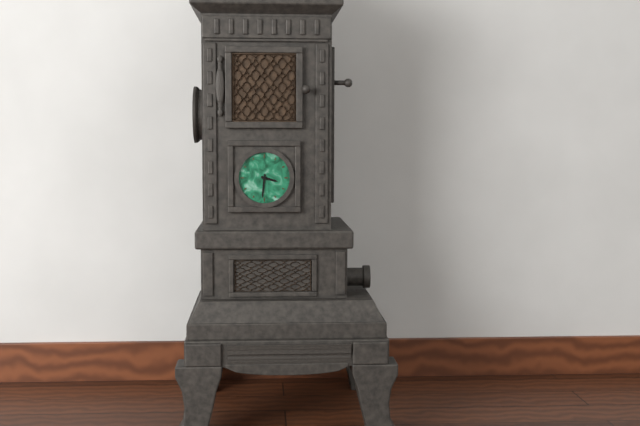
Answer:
3:31
